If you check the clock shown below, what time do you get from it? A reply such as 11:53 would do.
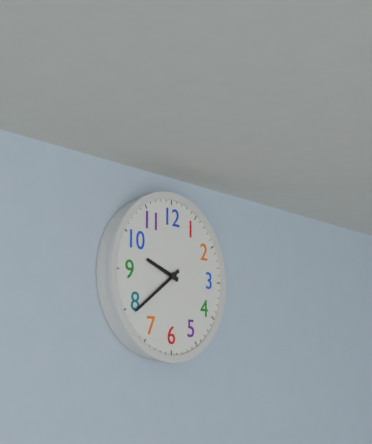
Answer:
9:39
